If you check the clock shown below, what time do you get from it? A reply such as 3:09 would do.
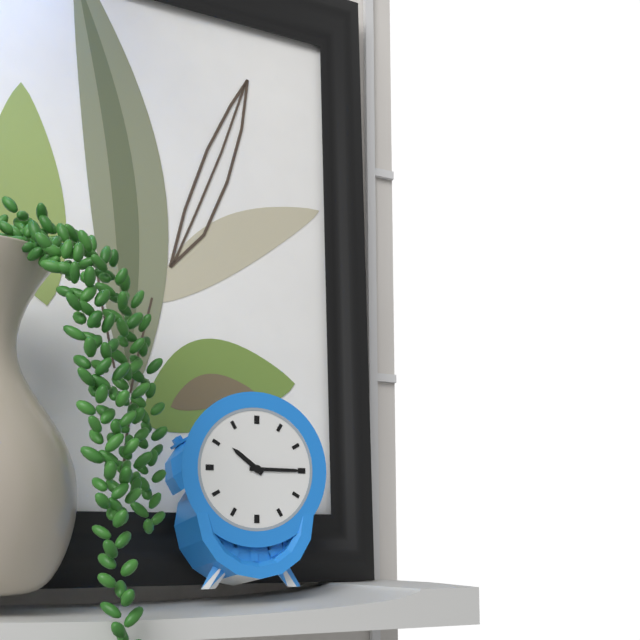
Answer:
10:15
